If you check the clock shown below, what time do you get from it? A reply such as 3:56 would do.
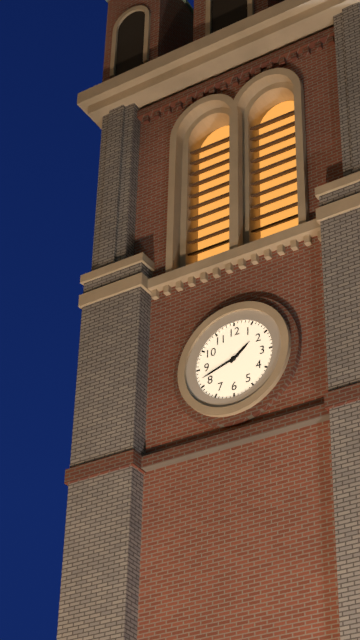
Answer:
1:42
